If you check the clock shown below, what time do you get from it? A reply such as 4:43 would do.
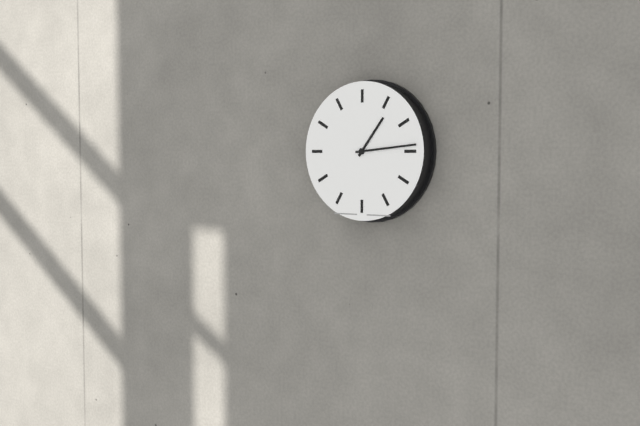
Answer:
1:14
